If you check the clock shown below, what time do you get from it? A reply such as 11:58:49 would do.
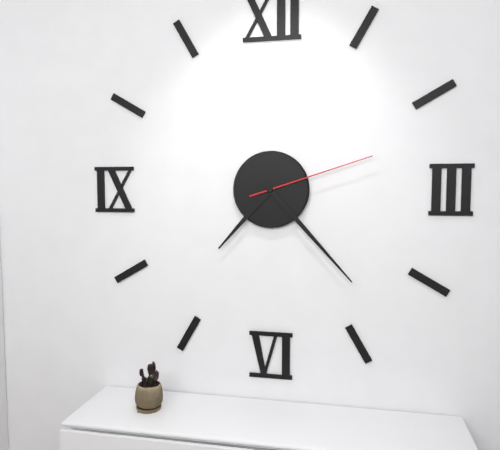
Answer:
7:23:12
